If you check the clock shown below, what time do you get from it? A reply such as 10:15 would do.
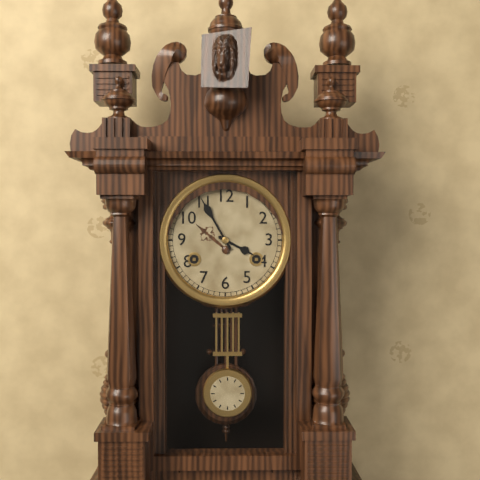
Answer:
3:55
